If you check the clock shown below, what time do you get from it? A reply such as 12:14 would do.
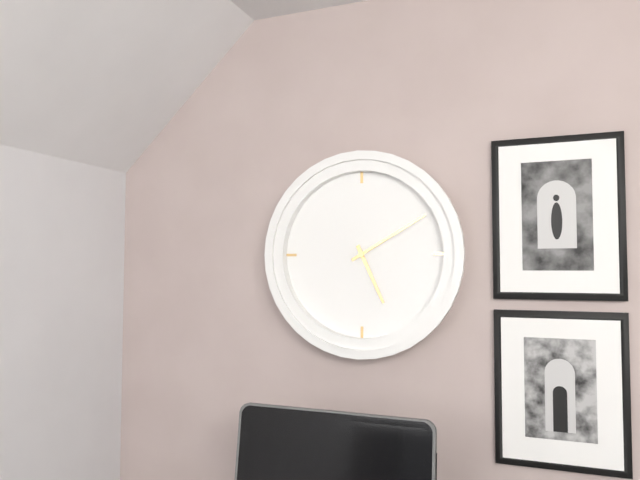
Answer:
5:10
